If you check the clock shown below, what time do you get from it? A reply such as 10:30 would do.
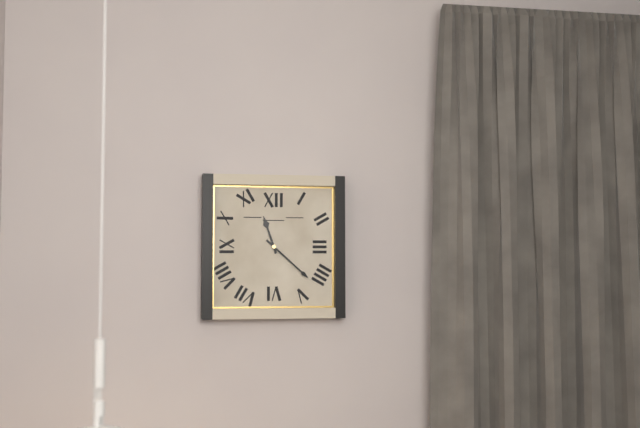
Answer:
11:22
